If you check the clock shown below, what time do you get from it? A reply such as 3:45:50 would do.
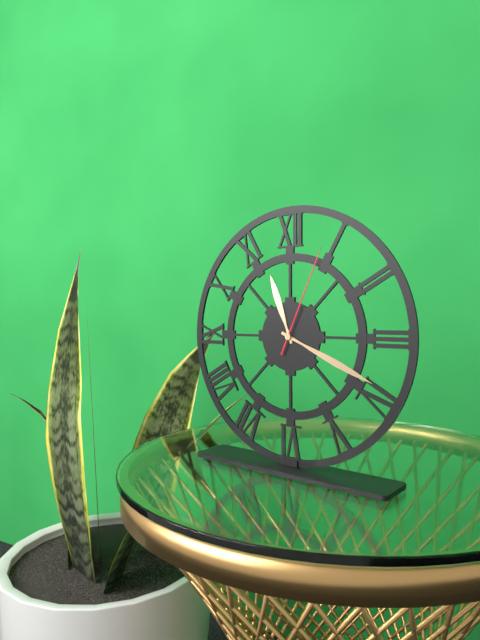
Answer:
11:19:04
